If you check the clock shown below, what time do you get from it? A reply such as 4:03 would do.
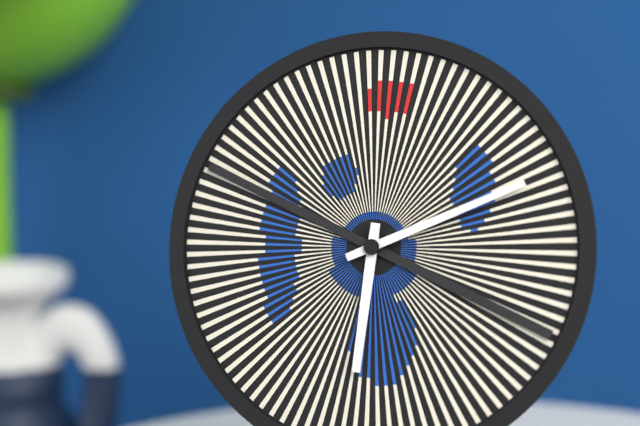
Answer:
6:11
